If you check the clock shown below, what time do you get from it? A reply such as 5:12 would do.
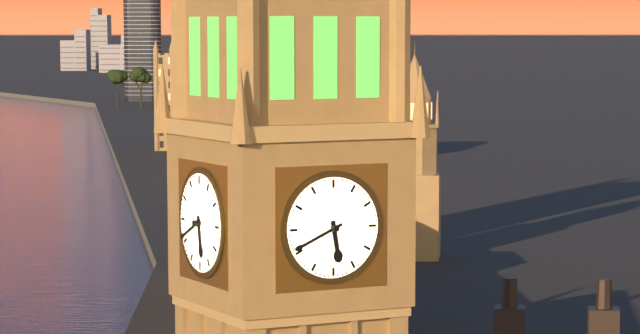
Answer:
5:41
